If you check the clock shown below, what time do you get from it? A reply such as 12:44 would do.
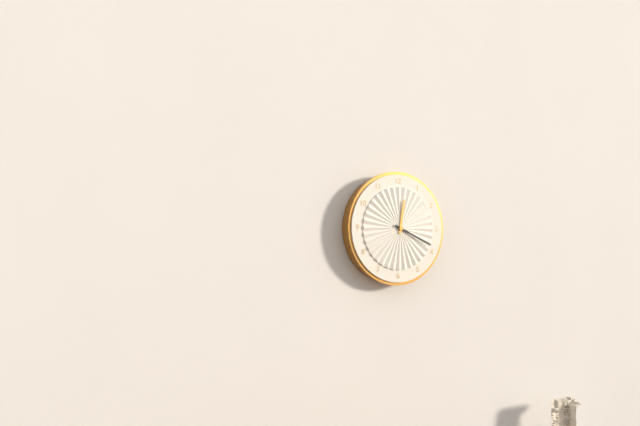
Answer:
12:19
